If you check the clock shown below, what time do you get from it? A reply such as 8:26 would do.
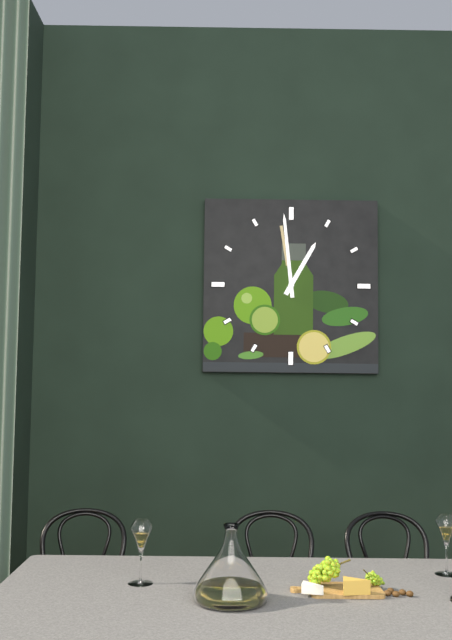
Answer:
12:59
